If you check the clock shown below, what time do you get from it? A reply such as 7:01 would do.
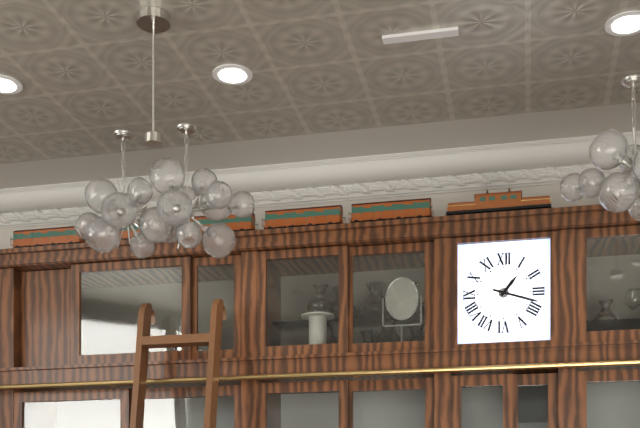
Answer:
1:18
